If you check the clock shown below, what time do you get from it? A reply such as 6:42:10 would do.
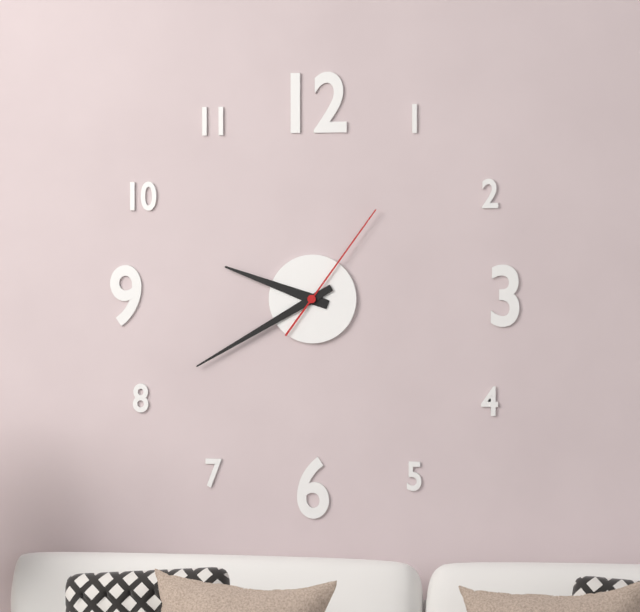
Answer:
9:40:06
